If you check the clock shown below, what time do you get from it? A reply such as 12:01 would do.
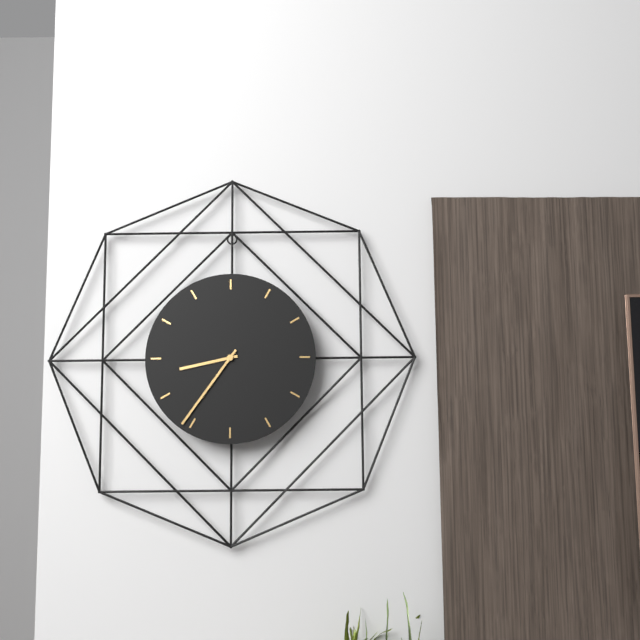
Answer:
8:36
